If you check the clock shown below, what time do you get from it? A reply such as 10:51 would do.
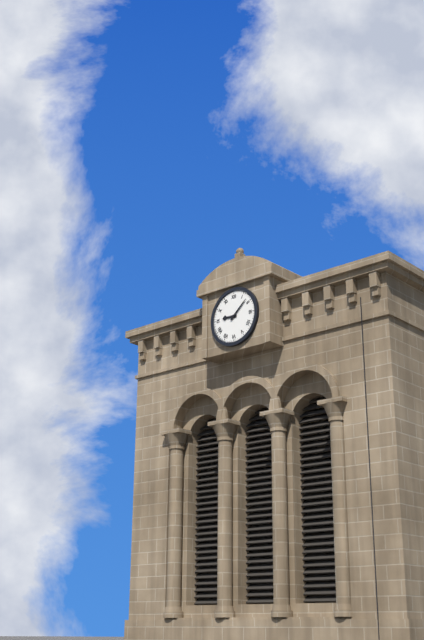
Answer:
9:08
